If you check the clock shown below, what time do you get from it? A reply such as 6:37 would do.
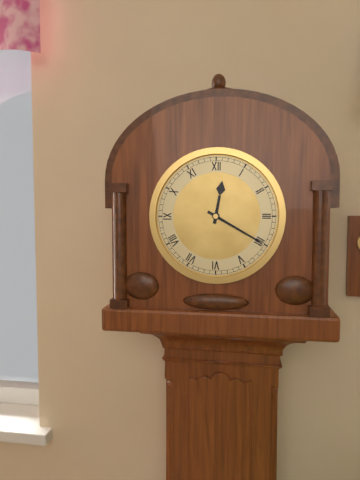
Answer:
12:20
